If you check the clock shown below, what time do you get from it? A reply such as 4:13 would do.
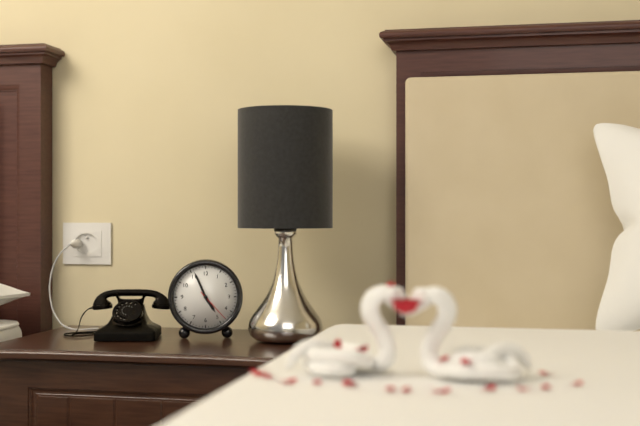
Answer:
4:56
